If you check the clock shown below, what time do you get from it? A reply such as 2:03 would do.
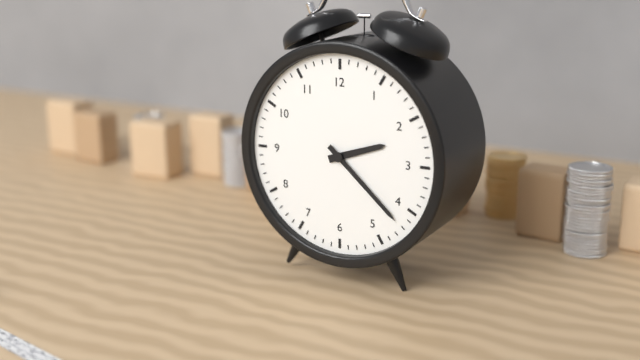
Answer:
2:22
